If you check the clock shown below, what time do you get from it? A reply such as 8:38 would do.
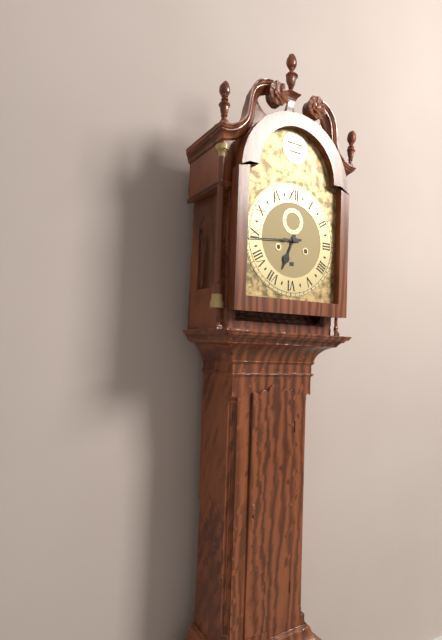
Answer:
6:44
